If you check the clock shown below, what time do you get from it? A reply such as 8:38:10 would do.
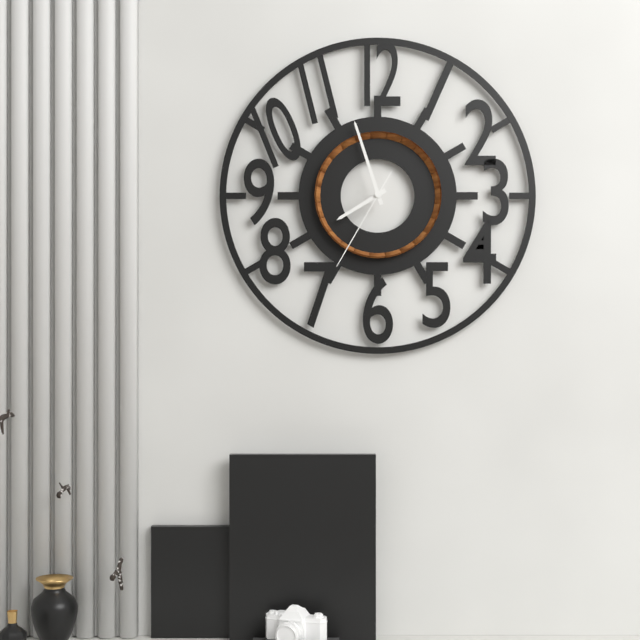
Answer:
7:57:35
